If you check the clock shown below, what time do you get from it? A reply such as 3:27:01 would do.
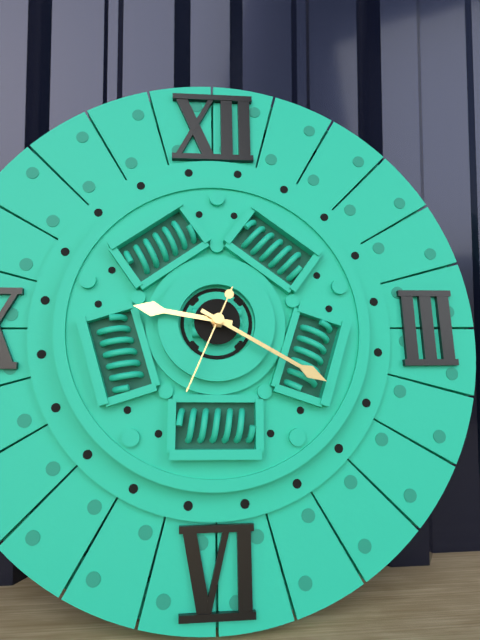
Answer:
9:20:34
